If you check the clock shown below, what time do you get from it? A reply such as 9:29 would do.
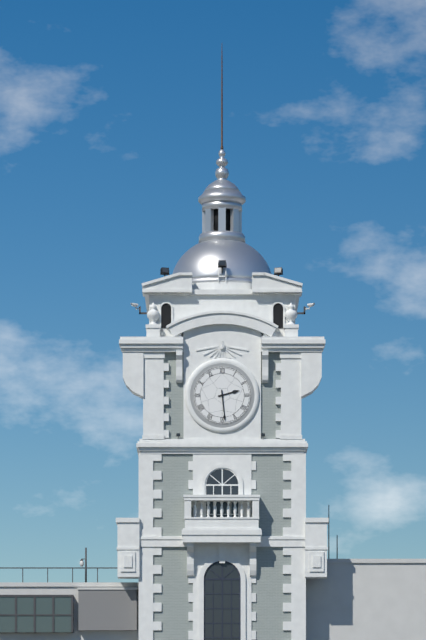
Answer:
2:29
